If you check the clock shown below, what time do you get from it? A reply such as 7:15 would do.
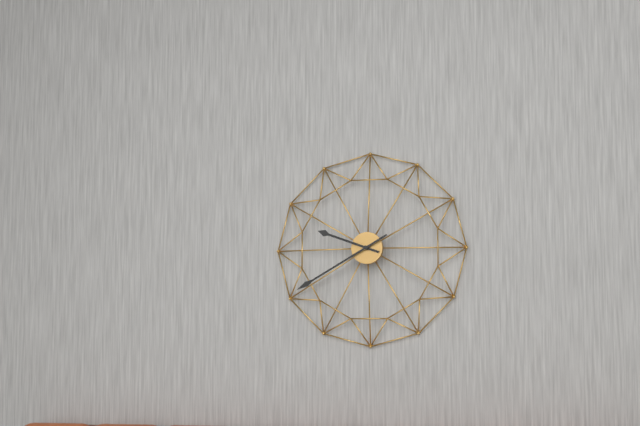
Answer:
9:40
